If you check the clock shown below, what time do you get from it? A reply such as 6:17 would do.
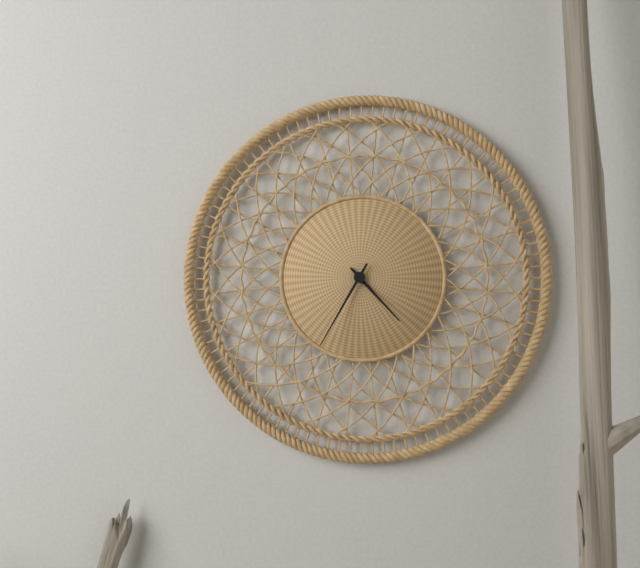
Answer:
4:35
